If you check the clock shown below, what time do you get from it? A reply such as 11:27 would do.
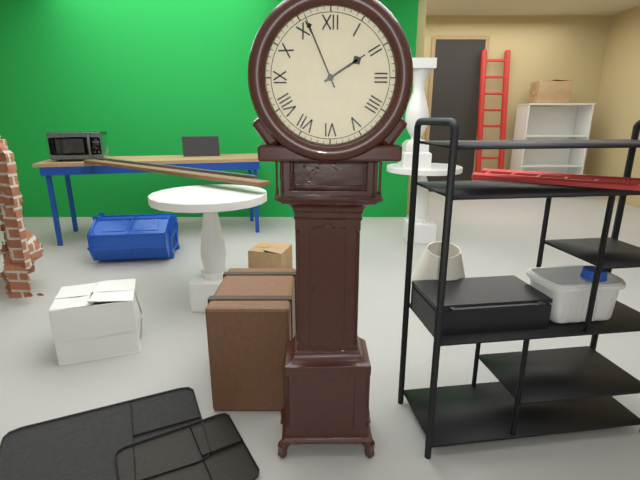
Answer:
1:56
